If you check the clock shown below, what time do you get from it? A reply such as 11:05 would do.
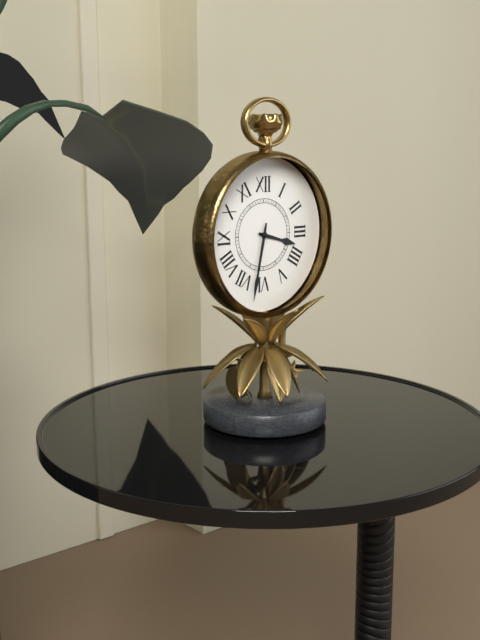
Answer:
3:32
